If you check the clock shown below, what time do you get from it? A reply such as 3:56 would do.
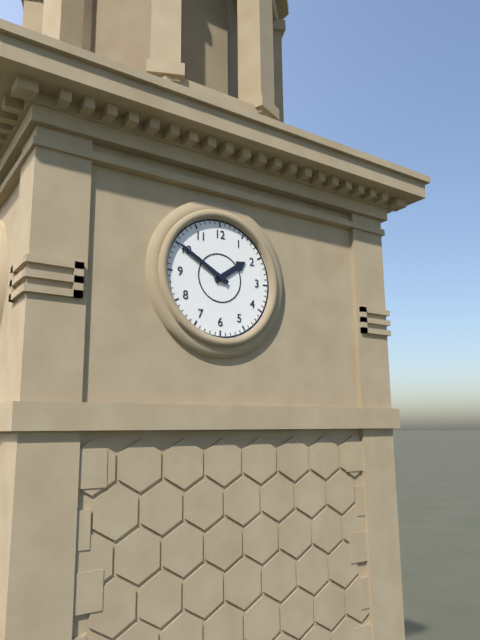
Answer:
1:50
